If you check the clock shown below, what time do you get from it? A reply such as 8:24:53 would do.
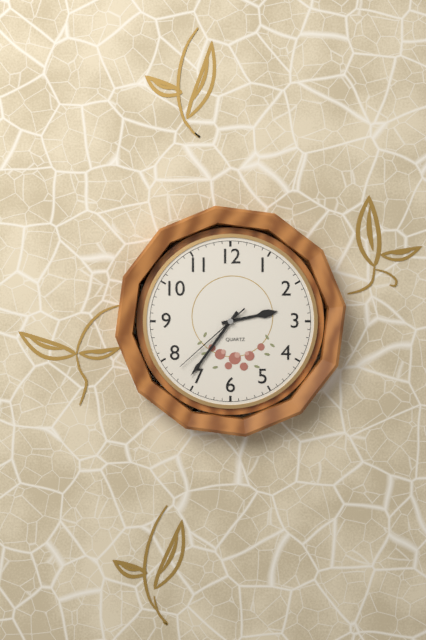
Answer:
2:36:38
